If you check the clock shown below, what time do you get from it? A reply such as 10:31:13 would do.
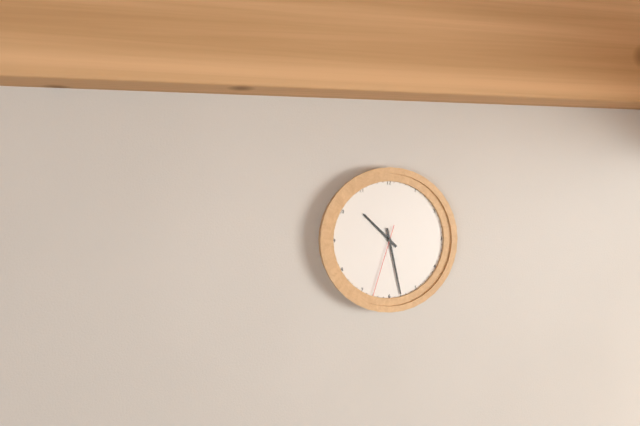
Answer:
10:28:33
